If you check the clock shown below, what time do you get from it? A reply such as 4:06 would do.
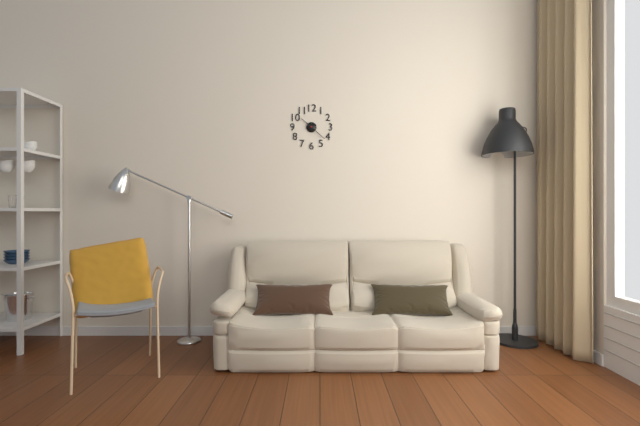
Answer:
10:22
